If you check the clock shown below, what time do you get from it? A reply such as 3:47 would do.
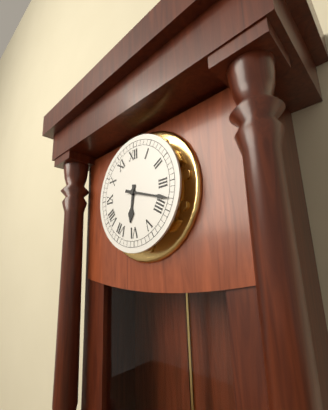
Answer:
6:18
